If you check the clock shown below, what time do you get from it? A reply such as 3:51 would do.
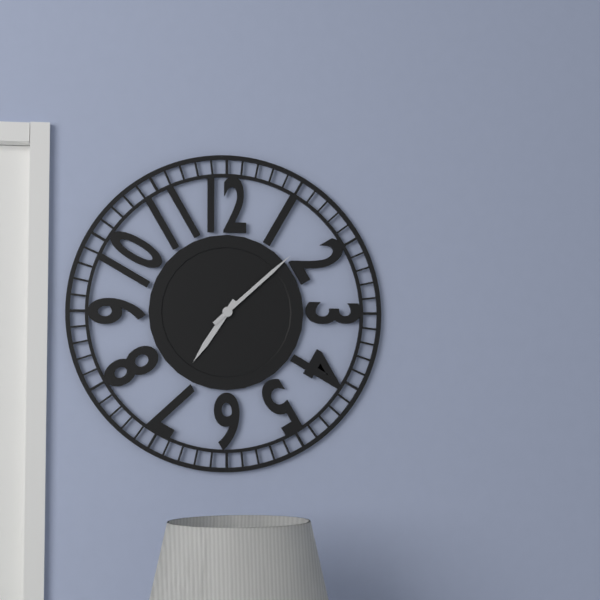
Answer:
7:08
